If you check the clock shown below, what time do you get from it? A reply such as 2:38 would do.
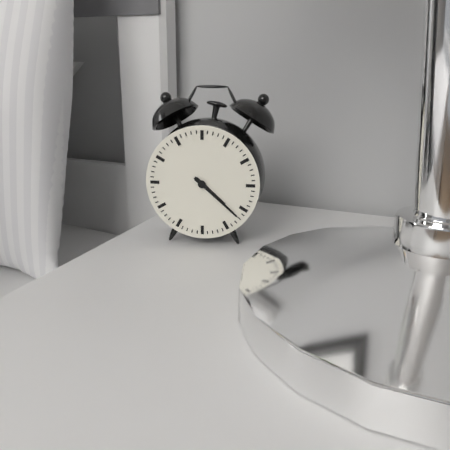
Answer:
4:22
